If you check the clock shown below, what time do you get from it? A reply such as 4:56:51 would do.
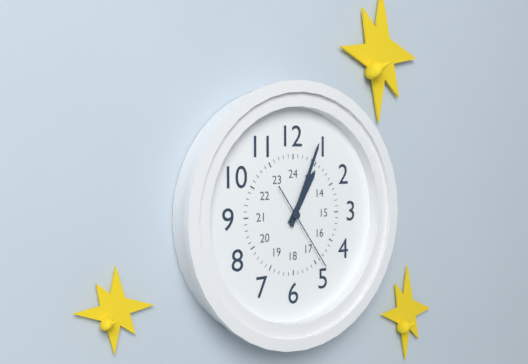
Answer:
1:04:24
